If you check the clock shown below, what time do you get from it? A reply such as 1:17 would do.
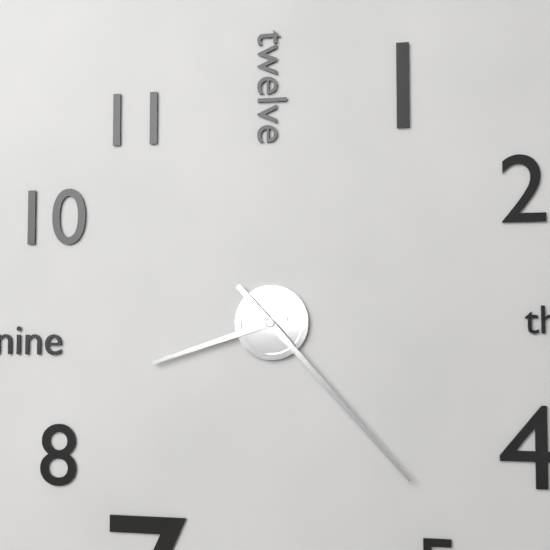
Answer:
8:23
